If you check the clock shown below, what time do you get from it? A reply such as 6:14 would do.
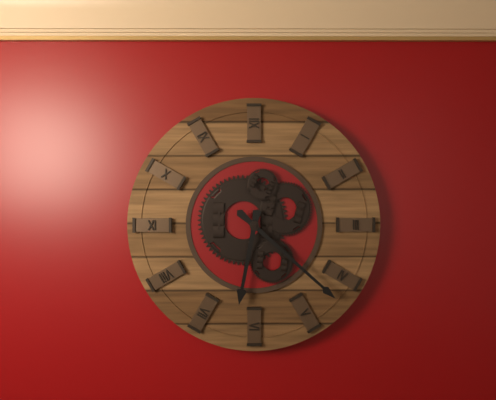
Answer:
6:22
